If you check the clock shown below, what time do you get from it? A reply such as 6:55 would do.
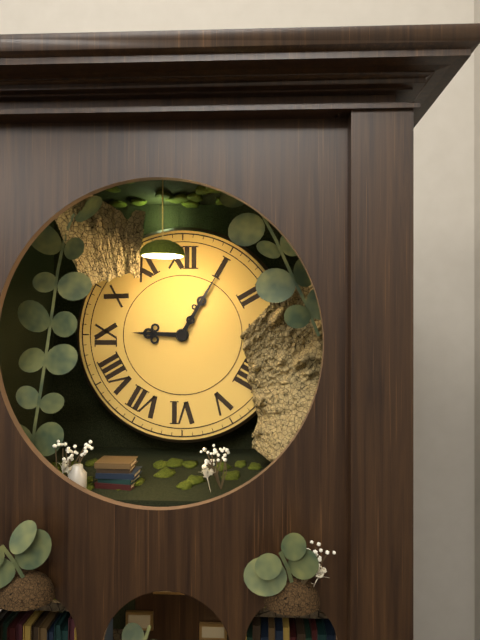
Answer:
9:05
